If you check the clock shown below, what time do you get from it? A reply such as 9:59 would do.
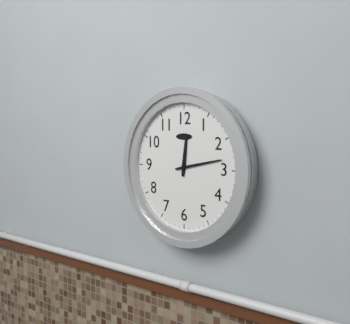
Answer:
12:13
